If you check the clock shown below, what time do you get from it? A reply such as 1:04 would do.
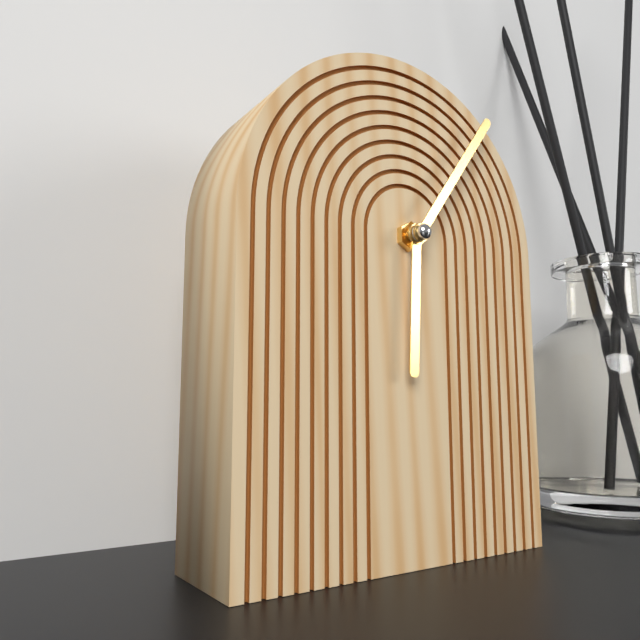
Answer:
6:06
